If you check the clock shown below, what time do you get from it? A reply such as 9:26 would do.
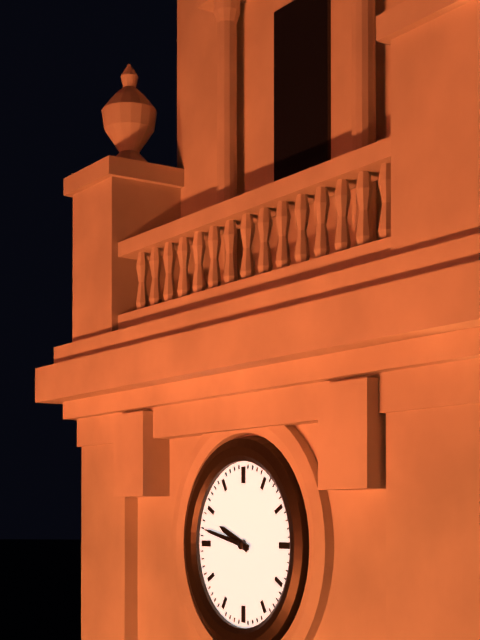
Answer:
9:47
